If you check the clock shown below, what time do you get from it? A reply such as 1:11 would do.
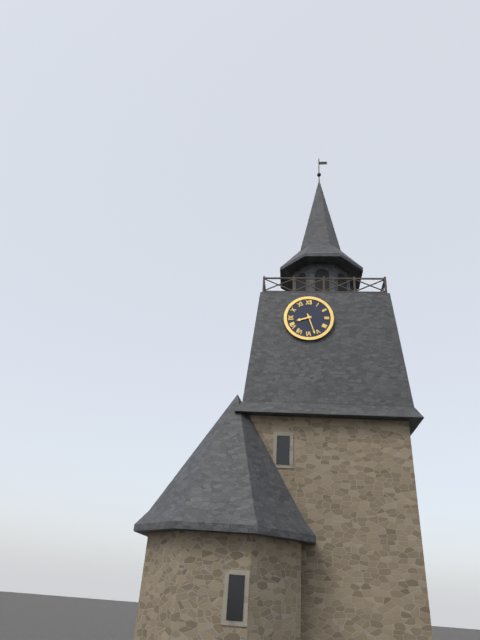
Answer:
8:27
